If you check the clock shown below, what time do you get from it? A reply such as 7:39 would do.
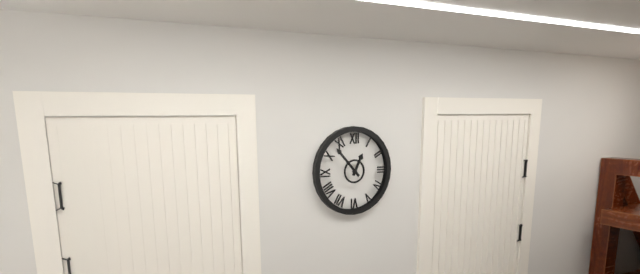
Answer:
12:53
